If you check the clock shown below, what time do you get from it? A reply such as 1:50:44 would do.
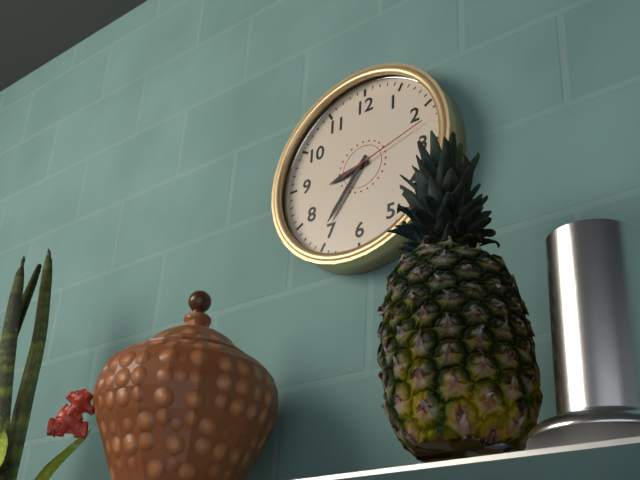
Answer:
8:36:12
